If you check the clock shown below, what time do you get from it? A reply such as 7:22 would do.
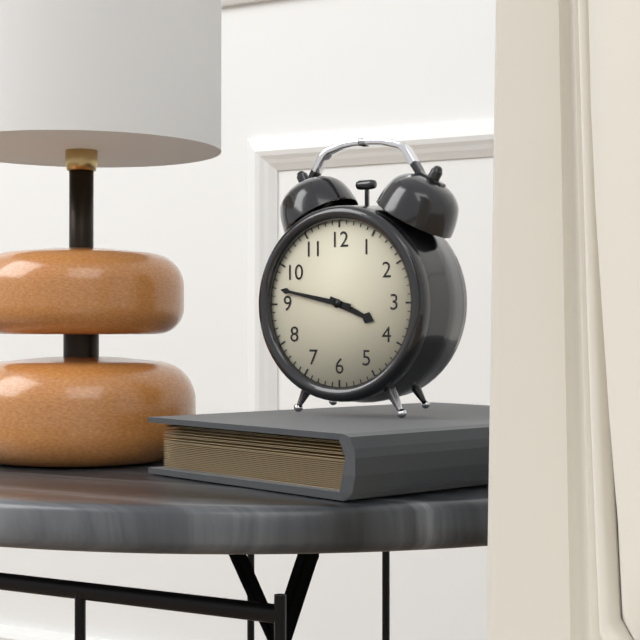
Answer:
3:47
